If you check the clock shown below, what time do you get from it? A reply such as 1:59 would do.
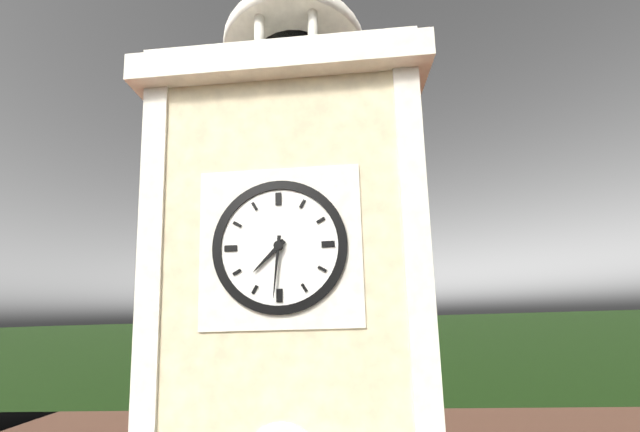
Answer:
7:31
